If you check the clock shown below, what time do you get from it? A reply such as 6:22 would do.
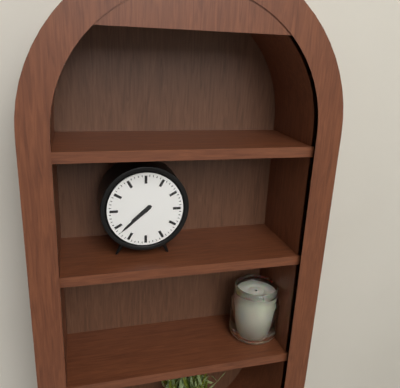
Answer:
7:38
